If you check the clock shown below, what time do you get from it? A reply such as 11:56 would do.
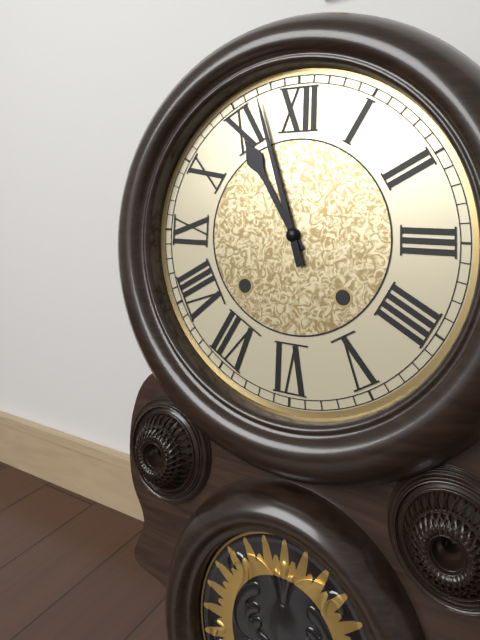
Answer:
10:57
